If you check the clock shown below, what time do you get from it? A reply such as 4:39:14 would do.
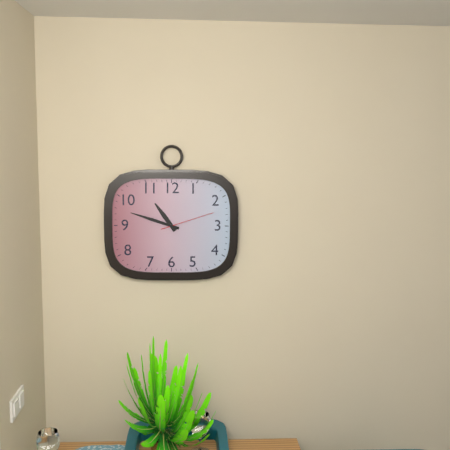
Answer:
10:48:12
